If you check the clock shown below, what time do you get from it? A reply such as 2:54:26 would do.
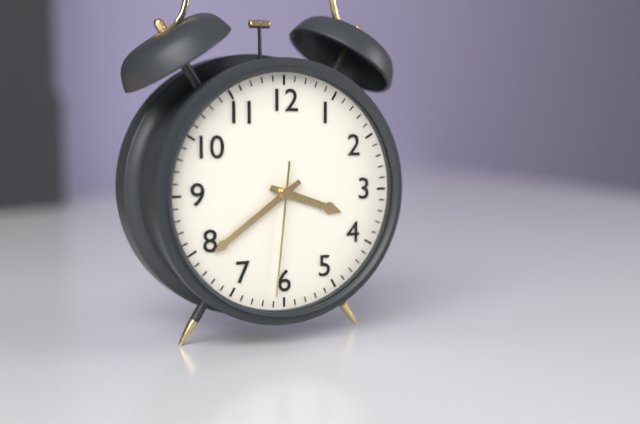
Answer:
3:39:31
